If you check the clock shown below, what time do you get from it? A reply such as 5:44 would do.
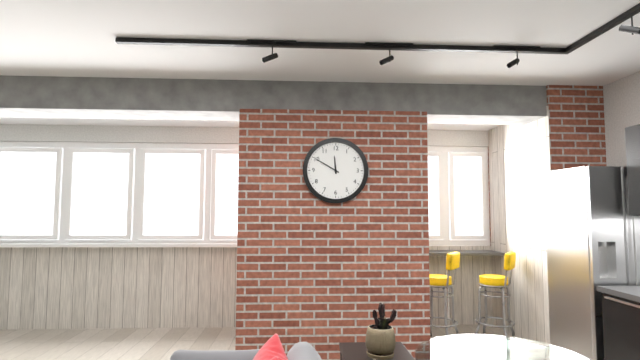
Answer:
11:50
